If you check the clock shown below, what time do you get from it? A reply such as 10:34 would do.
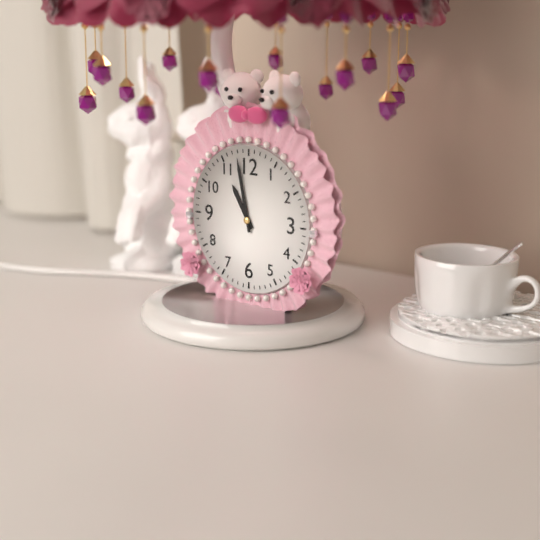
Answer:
10:58
